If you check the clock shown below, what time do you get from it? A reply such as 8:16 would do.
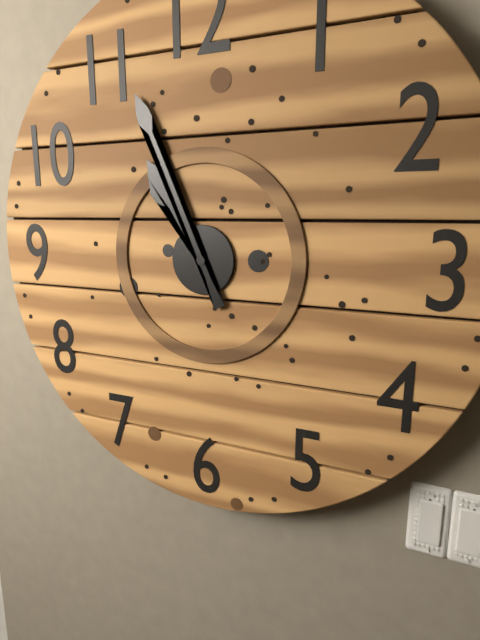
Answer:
10:56
